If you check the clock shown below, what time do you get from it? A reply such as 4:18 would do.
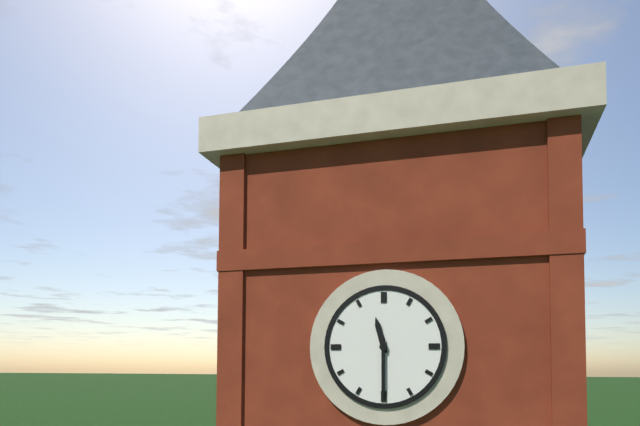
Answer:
11:30
